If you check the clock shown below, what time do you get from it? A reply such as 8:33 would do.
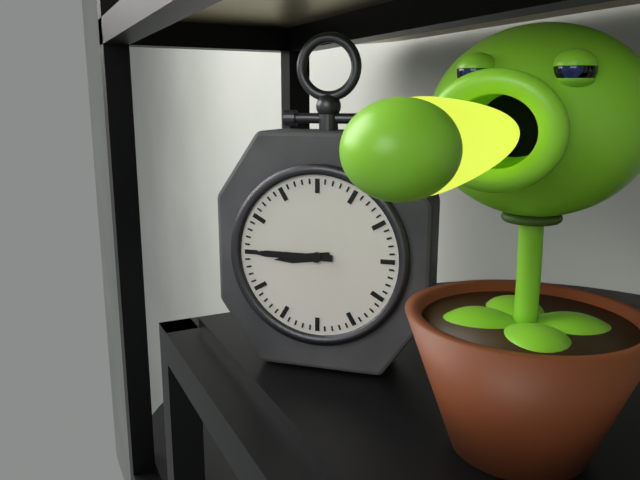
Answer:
8:45
